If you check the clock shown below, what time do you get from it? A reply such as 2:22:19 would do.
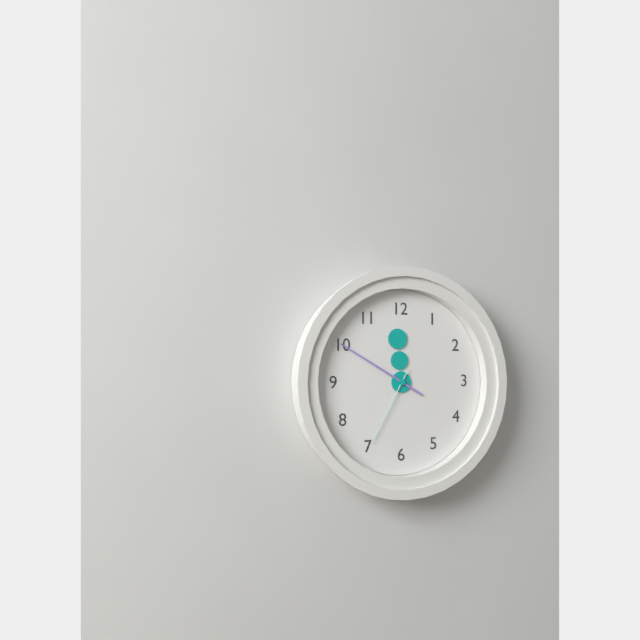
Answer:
11:50:35
